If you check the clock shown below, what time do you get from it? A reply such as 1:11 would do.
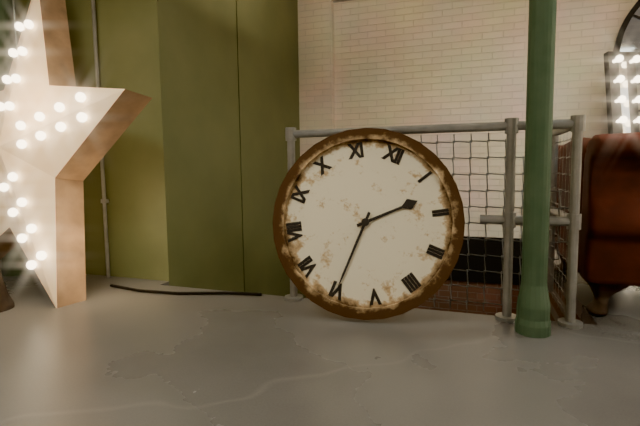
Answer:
1:30
